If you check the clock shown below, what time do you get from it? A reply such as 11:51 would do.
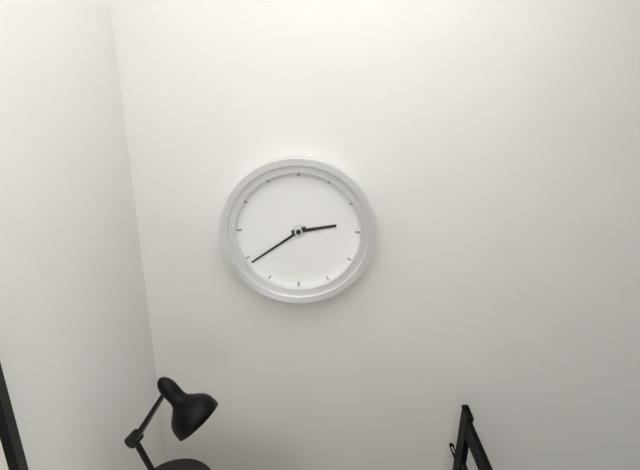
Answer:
2:39
